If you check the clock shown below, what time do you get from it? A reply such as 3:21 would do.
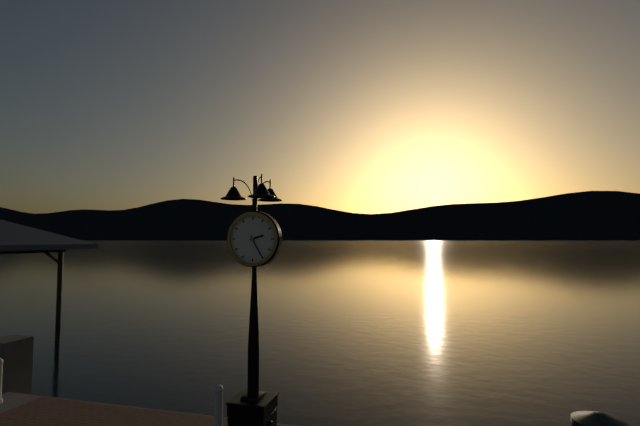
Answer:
2:25
